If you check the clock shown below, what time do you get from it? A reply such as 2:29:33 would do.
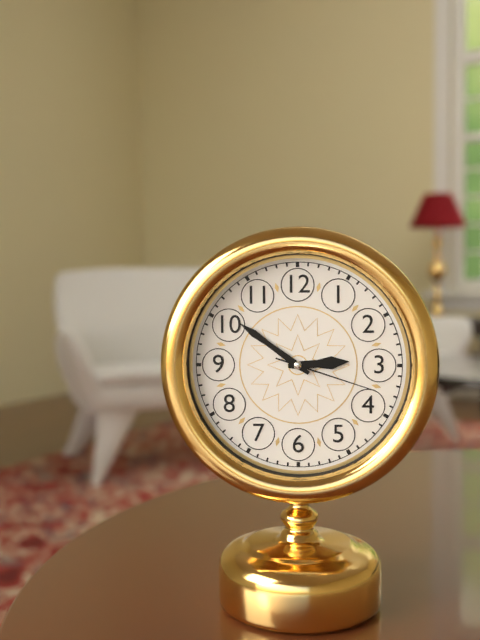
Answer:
2:51:18
